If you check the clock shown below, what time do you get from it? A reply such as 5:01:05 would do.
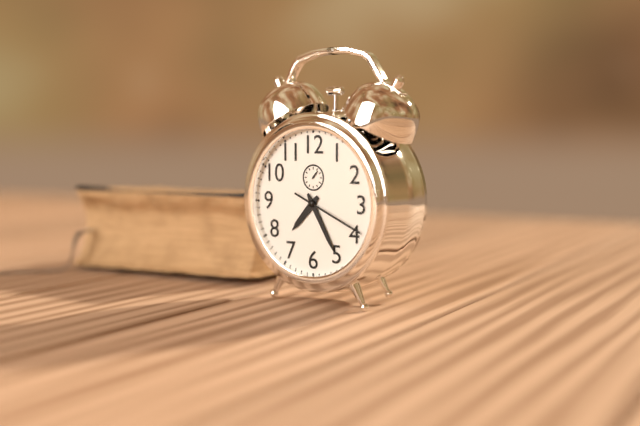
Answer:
7:25:19
